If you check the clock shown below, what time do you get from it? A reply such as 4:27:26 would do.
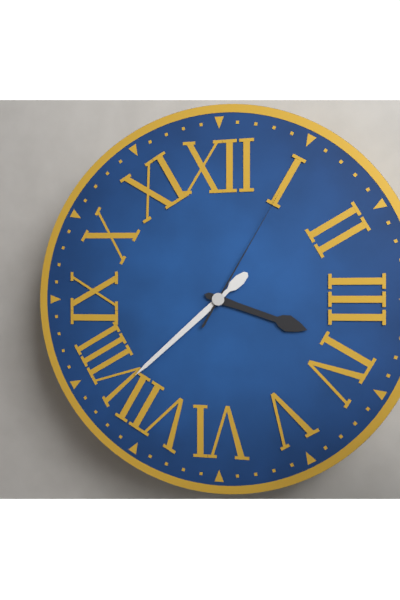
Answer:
3:38:05
